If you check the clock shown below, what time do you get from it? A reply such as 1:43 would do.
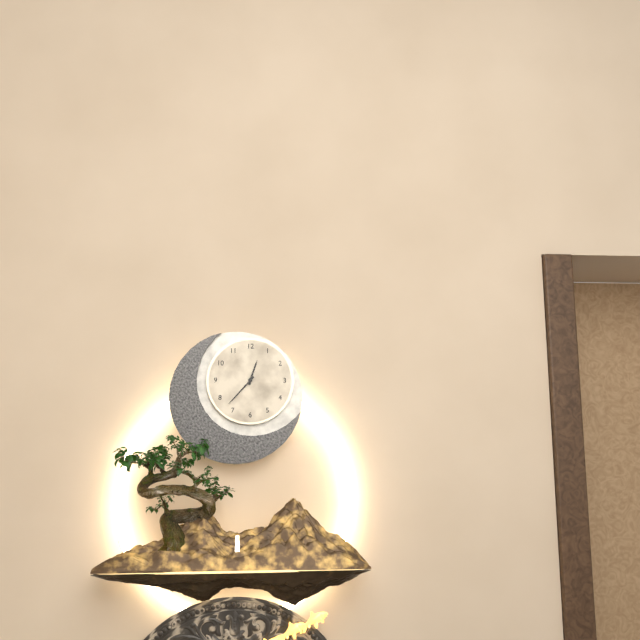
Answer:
12:37
